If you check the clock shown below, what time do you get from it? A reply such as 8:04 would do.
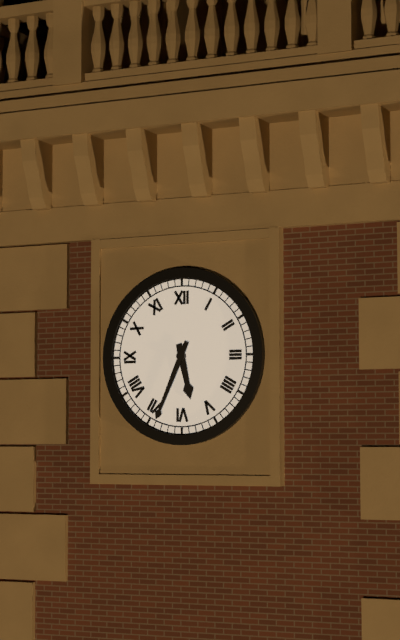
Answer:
5:34
